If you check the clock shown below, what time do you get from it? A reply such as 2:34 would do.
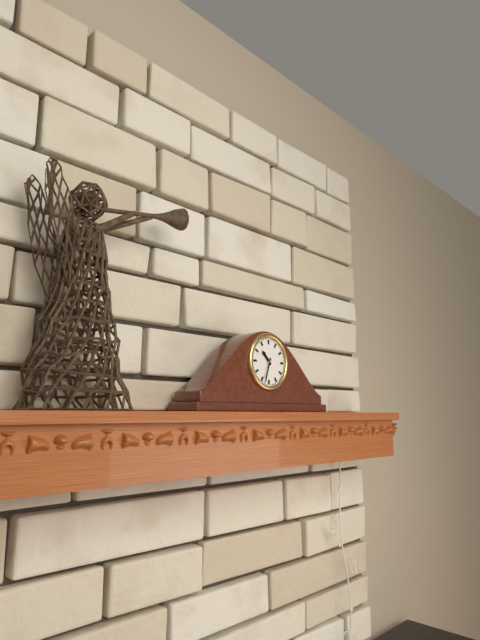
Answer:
10:33
